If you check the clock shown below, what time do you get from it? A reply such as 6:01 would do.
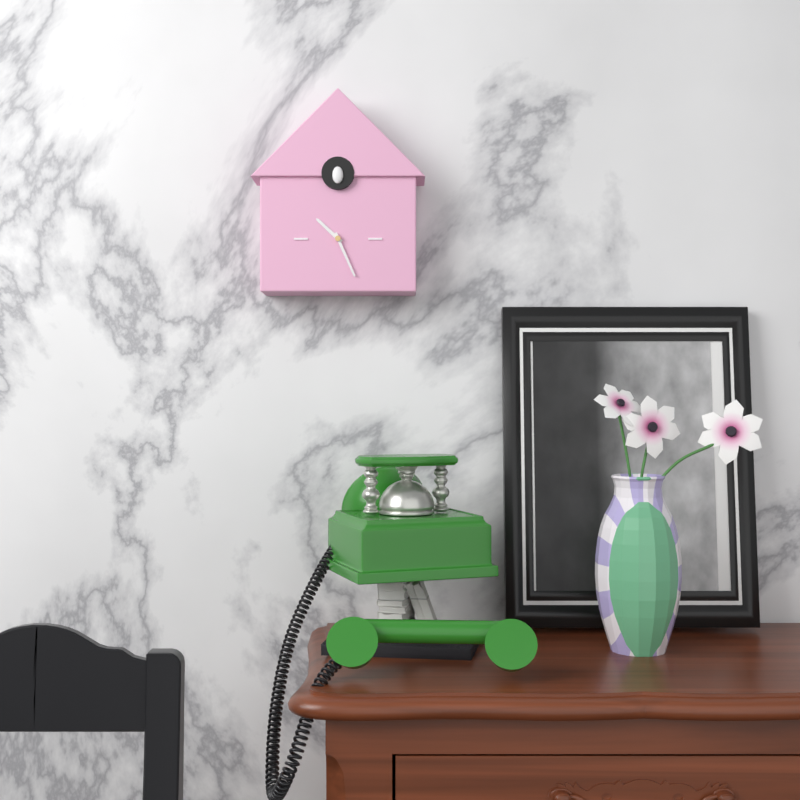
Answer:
10:26
